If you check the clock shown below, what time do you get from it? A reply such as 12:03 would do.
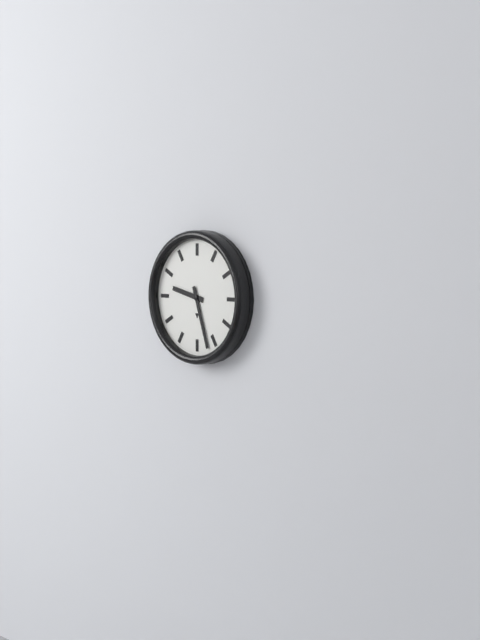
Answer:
9:27
